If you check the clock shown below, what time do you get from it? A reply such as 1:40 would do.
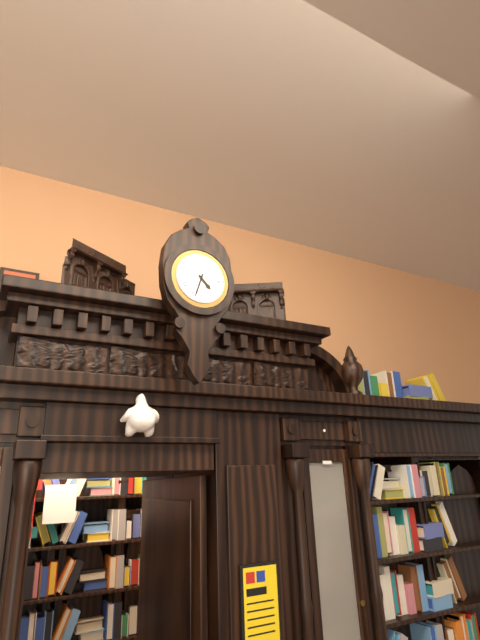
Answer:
4:33
